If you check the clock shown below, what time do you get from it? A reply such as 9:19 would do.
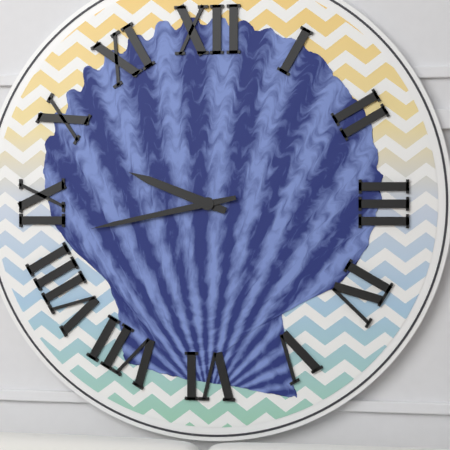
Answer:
9:43
